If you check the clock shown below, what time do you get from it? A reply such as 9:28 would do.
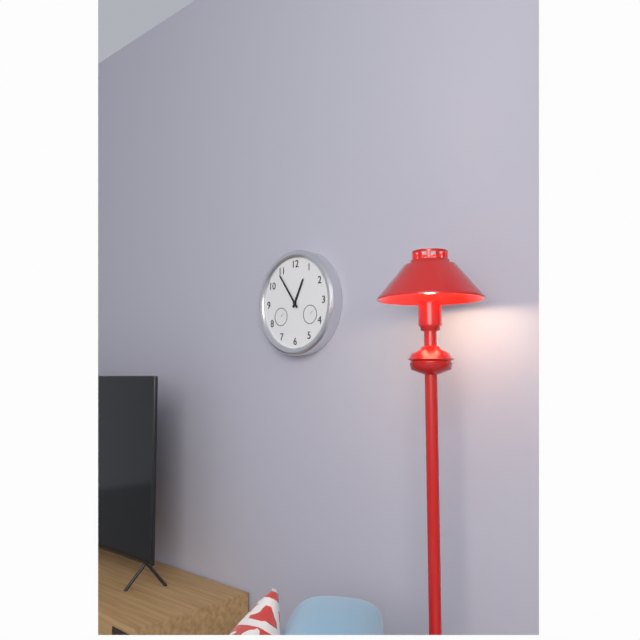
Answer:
12:54
